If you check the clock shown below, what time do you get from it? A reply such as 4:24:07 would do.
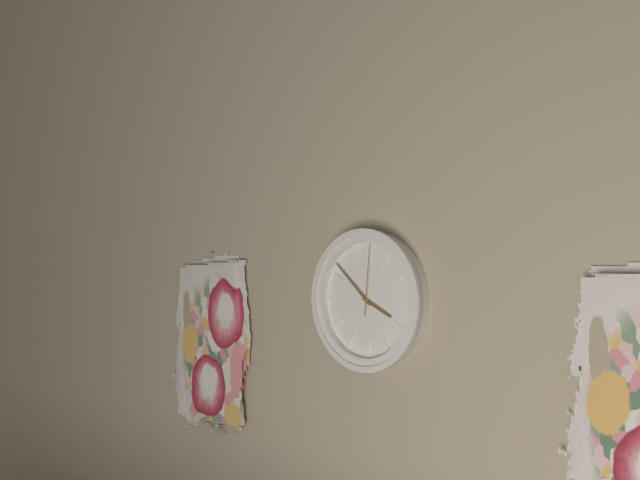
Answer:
3:52:01
